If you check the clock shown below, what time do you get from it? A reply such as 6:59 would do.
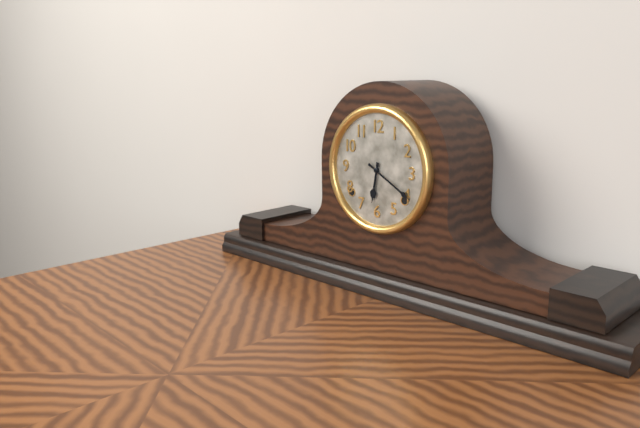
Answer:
6:20
